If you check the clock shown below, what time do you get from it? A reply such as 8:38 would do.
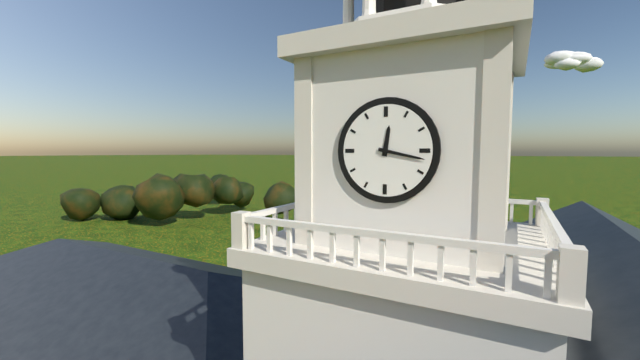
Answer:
12:17
